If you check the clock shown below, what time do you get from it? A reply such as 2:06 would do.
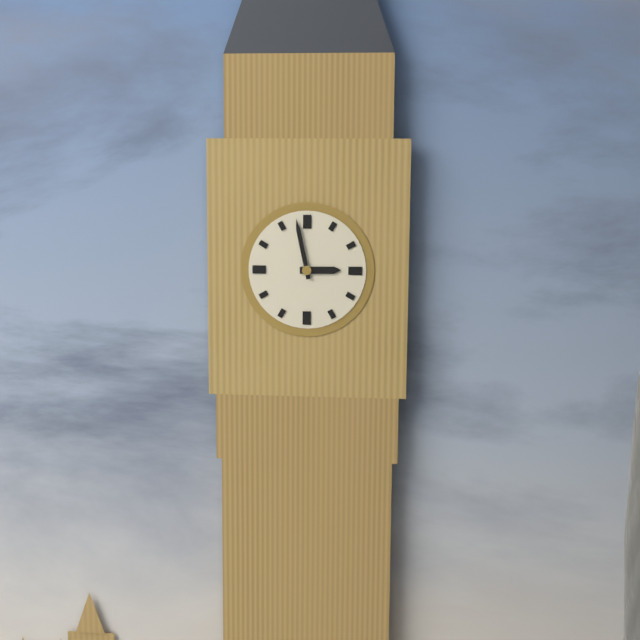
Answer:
2:58
